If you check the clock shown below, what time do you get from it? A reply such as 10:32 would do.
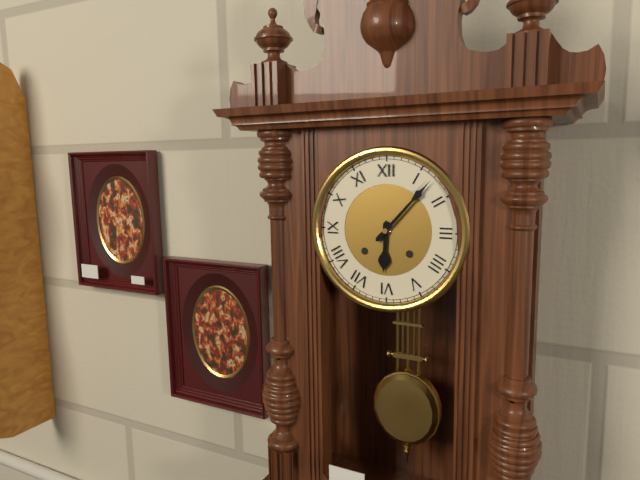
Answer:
6:07
